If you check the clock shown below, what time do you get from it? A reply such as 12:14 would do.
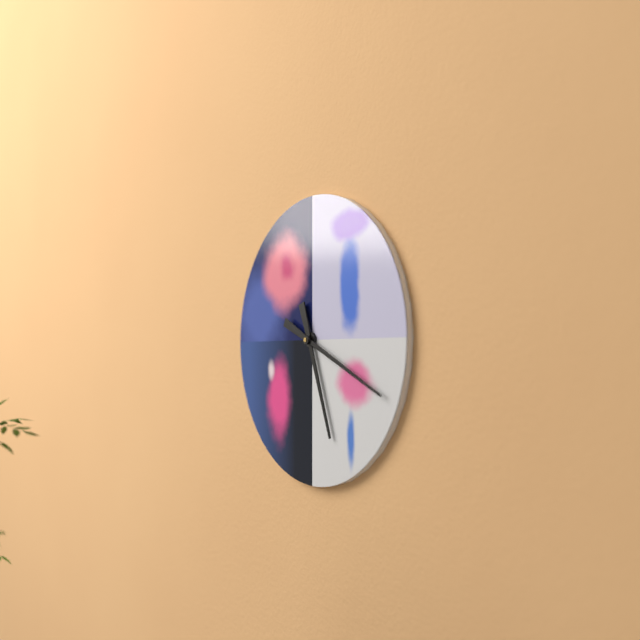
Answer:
5:19
